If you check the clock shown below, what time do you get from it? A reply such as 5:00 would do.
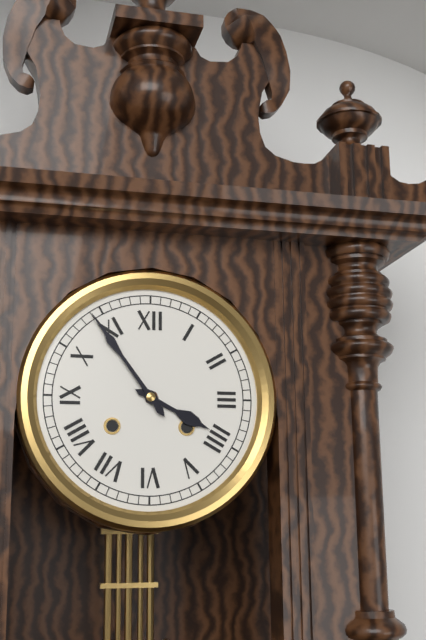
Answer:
3:54
